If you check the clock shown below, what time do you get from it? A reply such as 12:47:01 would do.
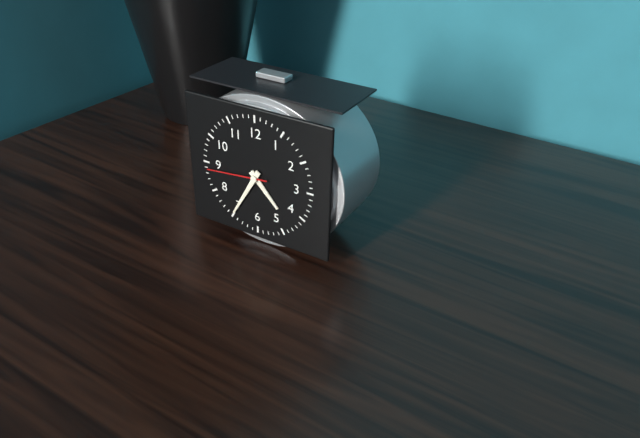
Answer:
4:35:44
